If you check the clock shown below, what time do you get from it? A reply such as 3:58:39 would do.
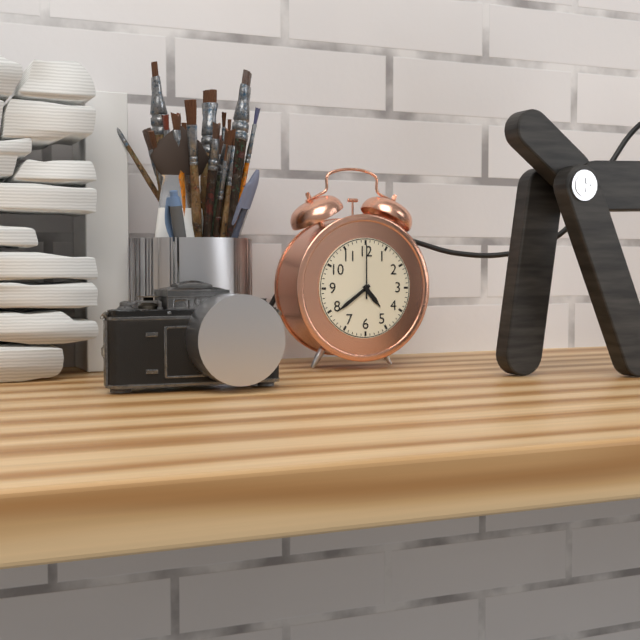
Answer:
4:39:00
